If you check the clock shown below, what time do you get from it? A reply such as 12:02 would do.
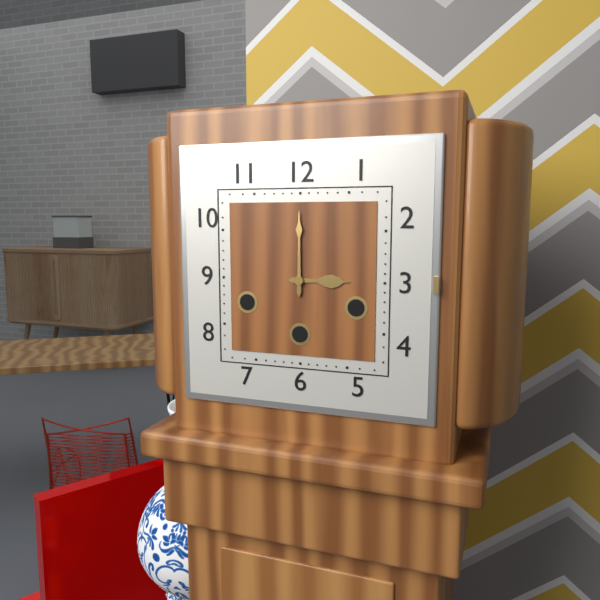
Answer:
3:00
